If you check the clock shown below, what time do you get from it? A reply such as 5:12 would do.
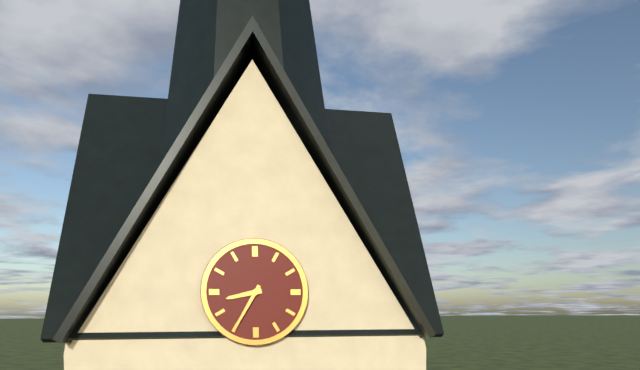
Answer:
8:35
